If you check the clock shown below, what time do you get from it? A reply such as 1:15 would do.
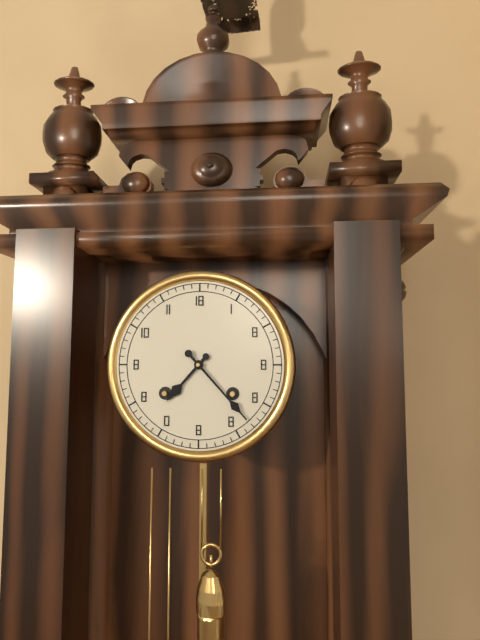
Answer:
7:23
